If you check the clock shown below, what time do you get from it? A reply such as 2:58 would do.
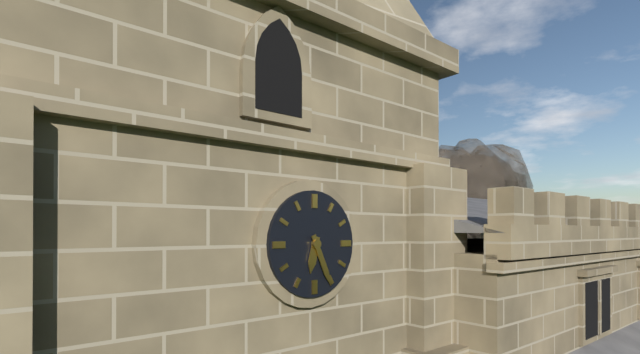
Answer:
6:26
